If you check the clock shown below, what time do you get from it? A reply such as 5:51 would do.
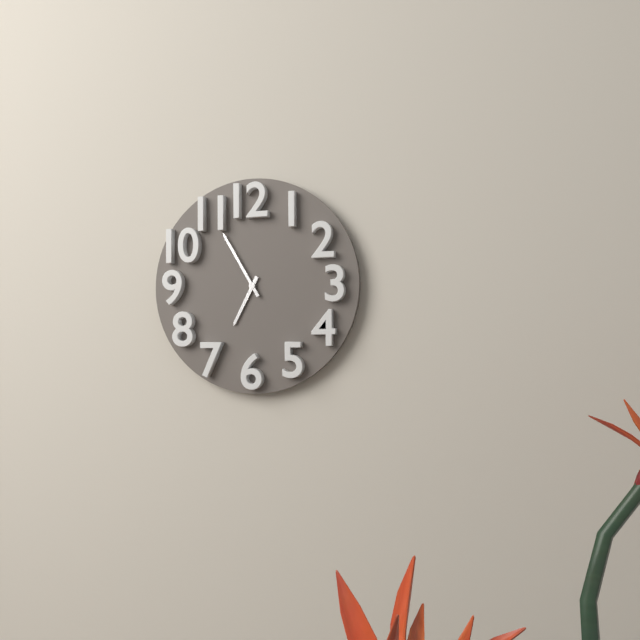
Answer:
6:55
